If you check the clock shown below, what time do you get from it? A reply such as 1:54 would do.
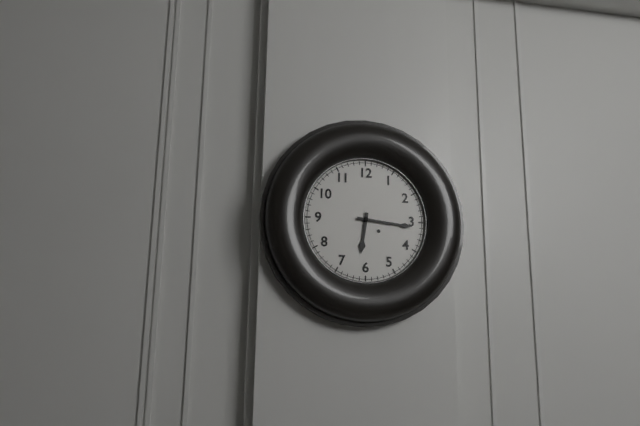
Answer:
6:16
